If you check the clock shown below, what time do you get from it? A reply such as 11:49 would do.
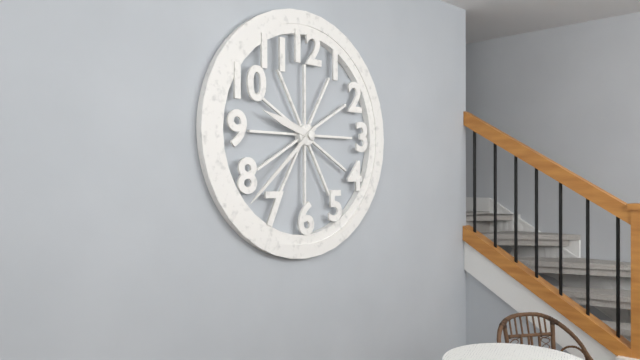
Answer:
9:38
